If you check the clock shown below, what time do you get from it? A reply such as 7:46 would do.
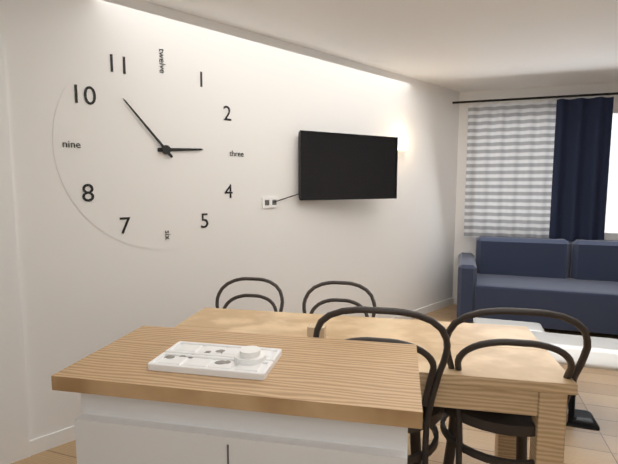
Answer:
2:53
